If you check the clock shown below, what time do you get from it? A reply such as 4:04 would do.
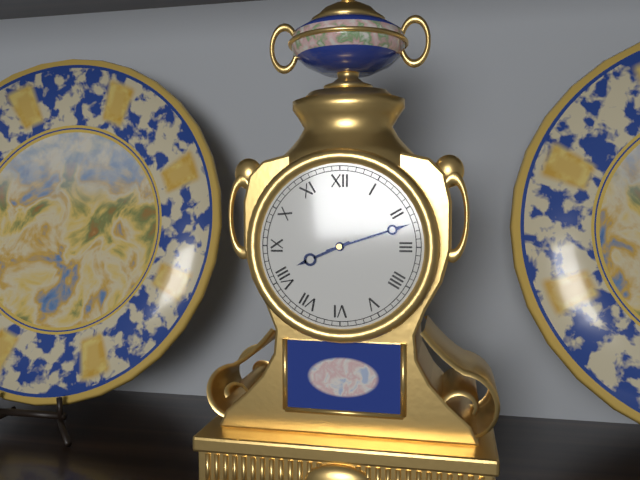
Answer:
8:12
